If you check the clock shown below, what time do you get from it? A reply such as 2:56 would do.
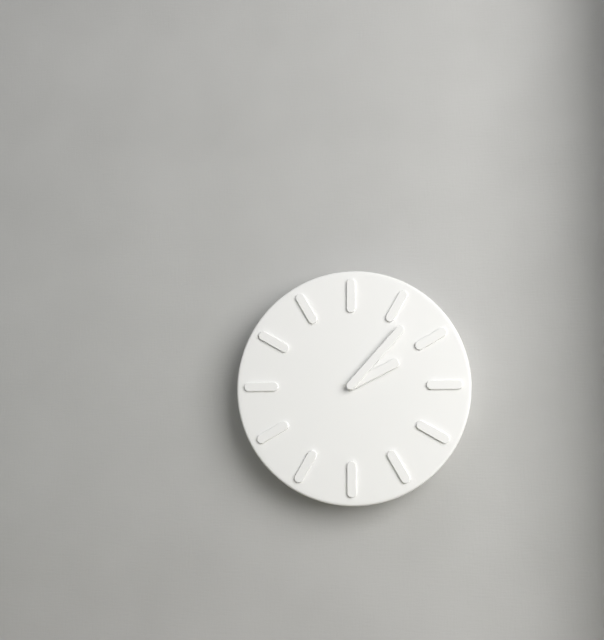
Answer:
2:07
